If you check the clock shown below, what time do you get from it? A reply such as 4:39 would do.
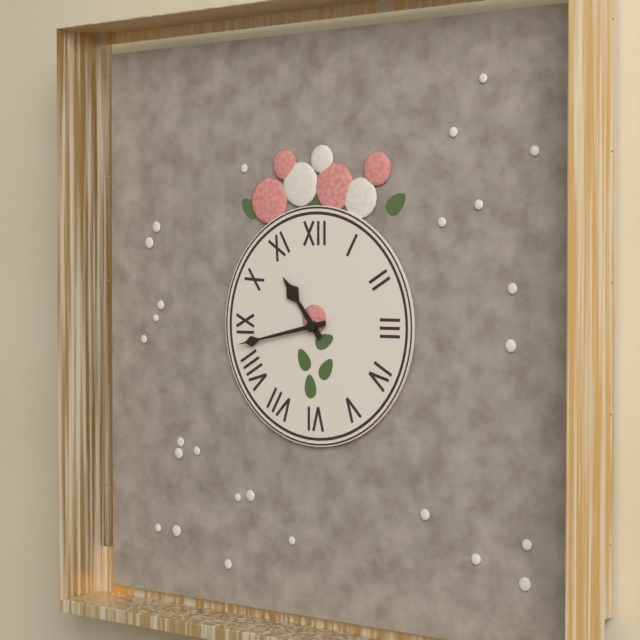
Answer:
10:43
